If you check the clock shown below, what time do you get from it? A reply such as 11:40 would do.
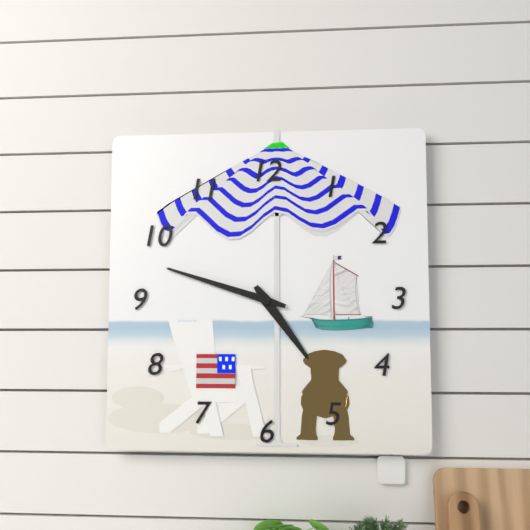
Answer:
4:48
